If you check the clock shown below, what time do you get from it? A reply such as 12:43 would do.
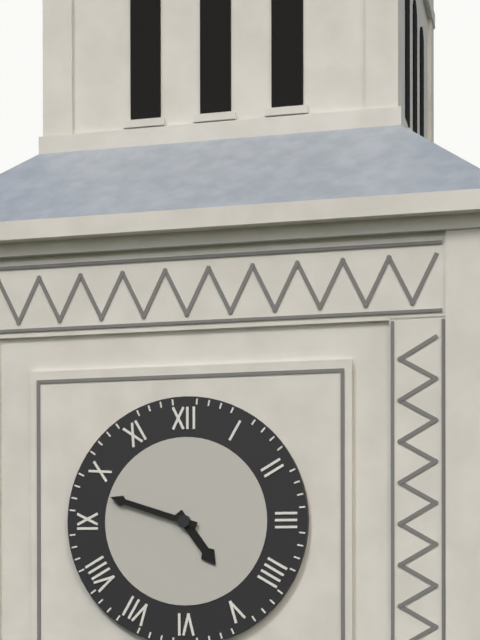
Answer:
4:48
